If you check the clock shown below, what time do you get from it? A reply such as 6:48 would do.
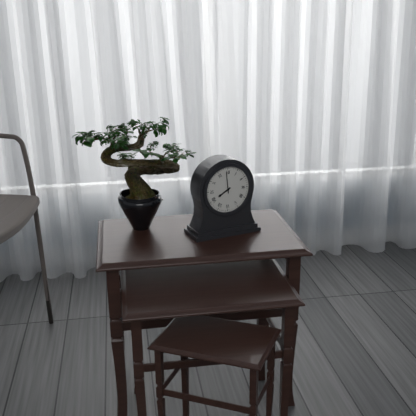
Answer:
7:59
